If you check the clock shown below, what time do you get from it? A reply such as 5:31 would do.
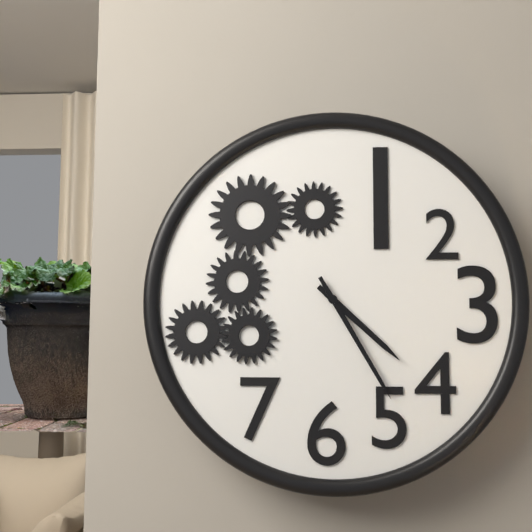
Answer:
4:25
